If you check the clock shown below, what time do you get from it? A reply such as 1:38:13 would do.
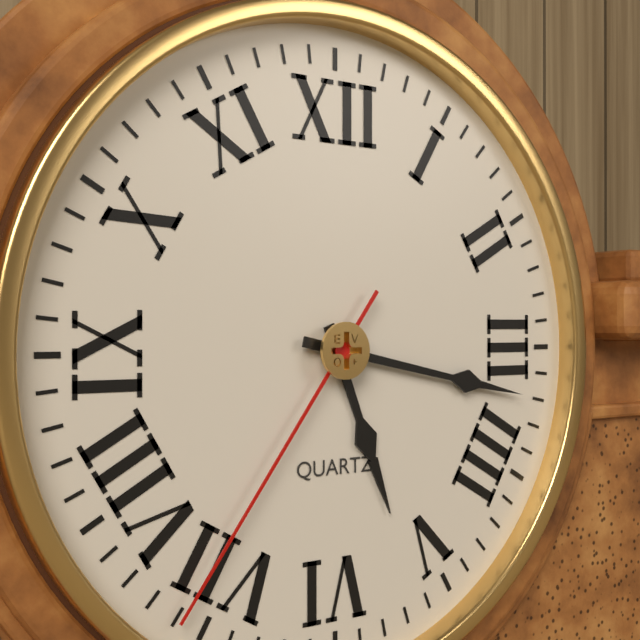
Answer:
5:17:36
